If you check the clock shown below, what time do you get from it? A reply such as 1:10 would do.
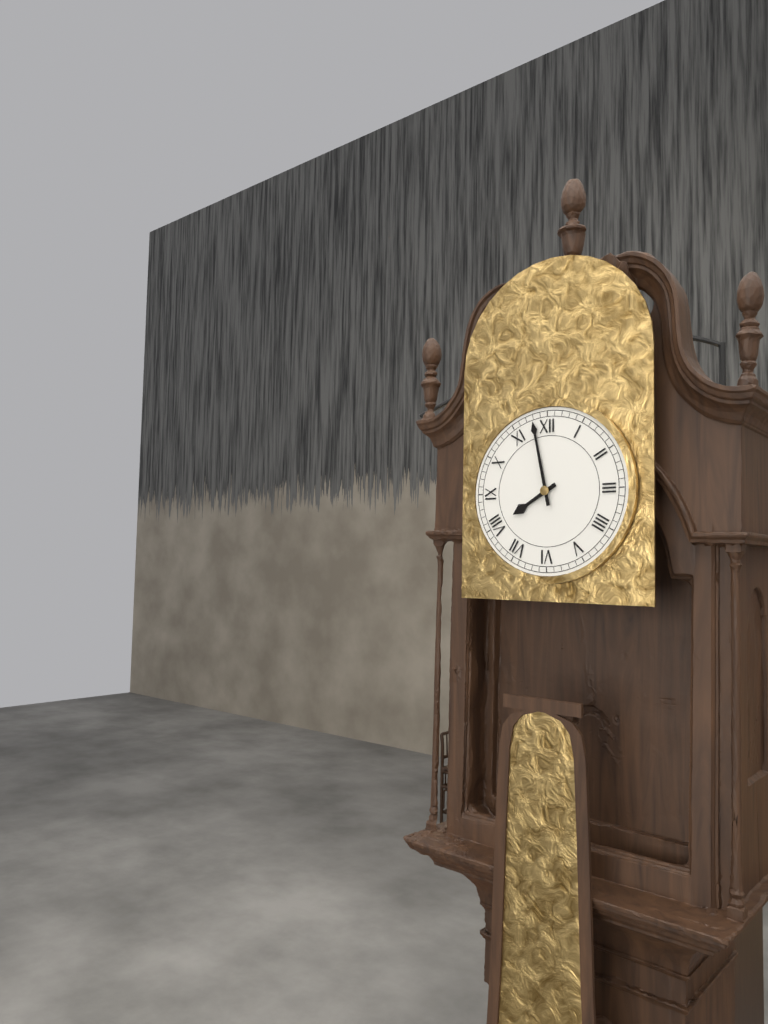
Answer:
7:58
